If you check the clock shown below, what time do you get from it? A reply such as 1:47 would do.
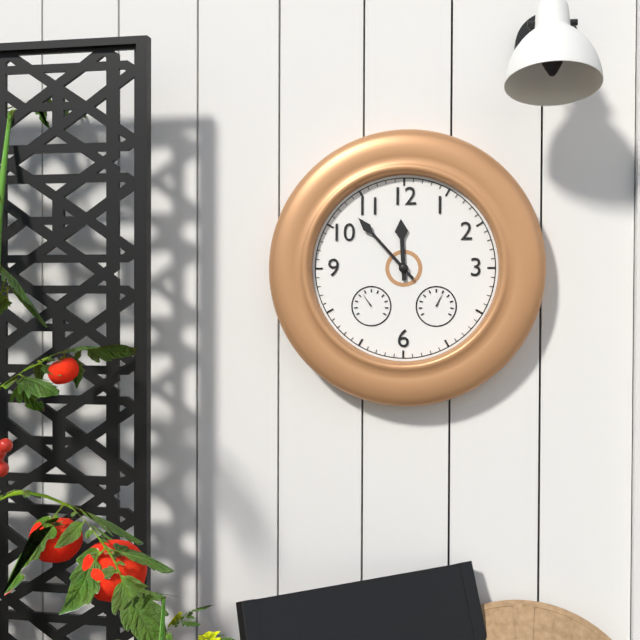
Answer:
11:53
